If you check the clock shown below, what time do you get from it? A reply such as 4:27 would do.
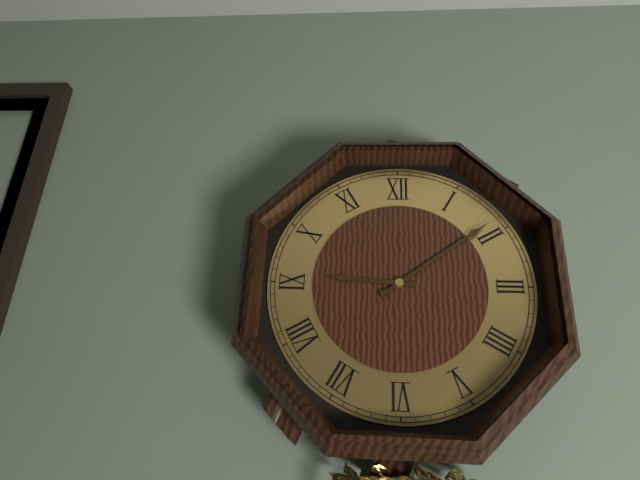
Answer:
9:09
